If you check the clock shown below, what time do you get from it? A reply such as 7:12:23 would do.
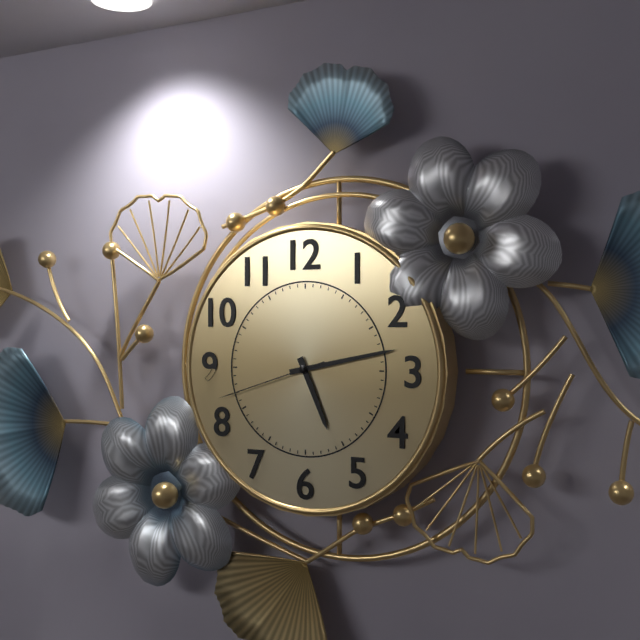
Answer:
5:13:42
